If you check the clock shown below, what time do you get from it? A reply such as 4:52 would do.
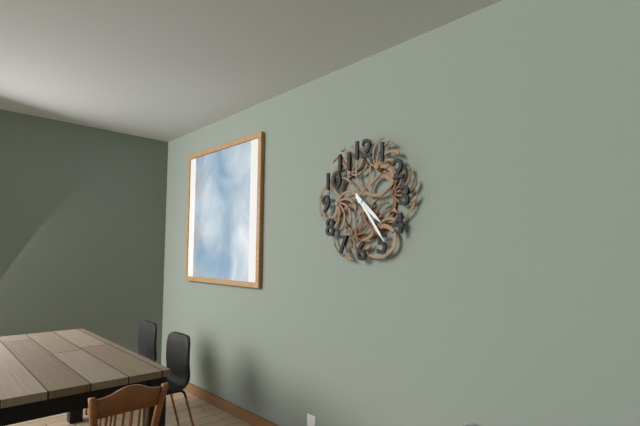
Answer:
4:24
